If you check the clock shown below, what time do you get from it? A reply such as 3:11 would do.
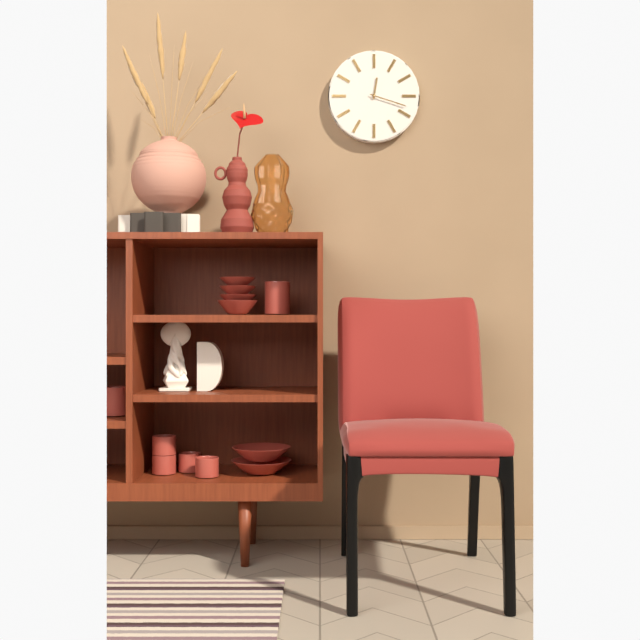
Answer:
12:18
